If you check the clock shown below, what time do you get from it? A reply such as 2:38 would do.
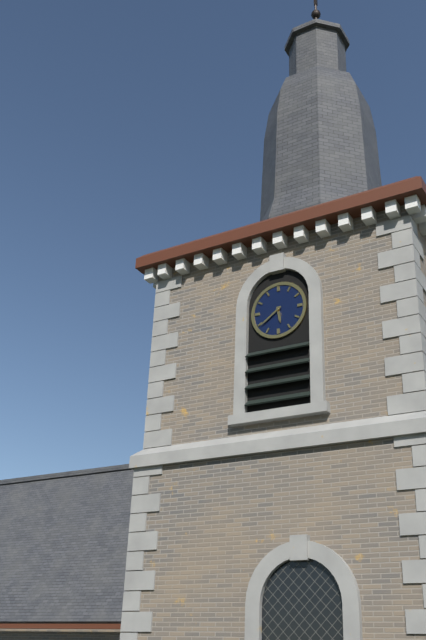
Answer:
5:39
